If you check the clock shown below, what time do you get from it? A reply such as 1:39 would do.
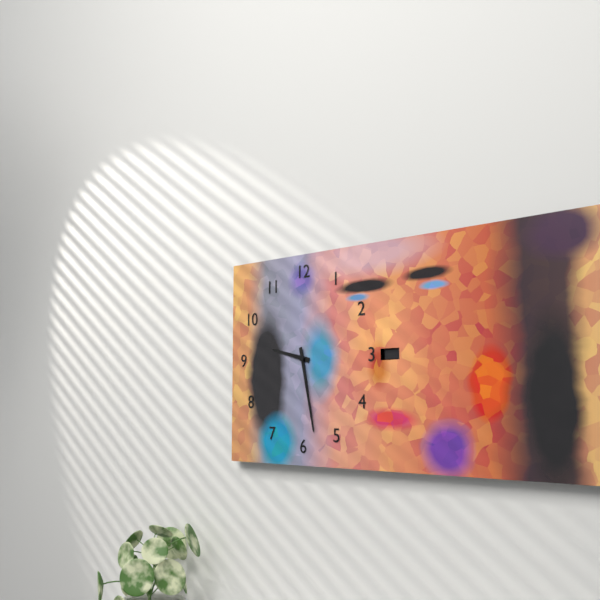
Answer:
9:28
